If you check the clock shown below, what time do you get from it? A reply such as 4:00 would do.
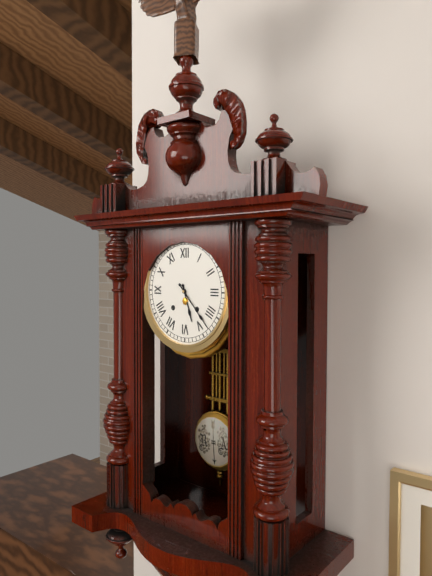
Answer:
5:23
